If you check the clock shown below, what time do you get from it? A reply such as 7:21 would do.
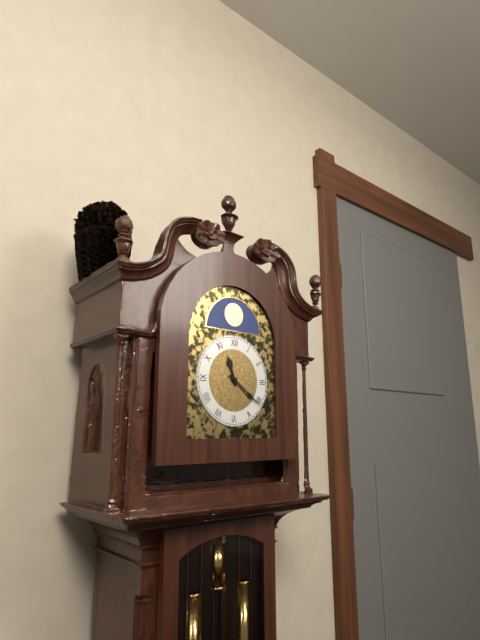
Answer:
11:21
